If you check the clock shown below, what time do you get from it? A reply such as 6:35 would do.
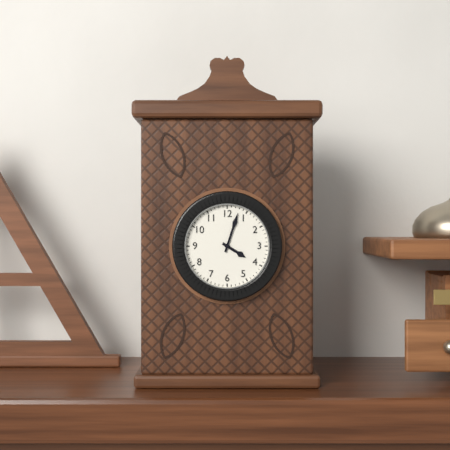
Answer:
4:03
